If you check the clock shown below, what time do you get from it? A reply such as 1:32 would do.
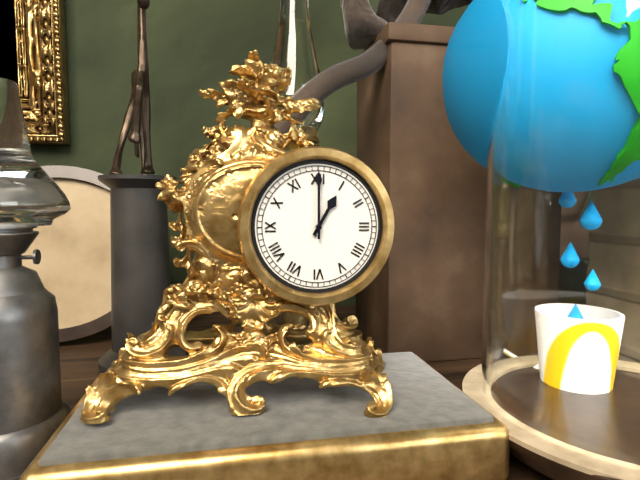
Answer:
1:00
